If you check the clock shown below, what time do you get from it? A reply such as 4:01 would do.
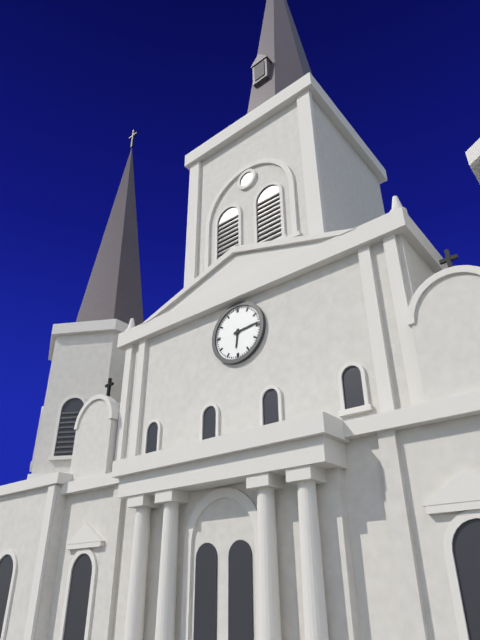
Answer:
6:14
